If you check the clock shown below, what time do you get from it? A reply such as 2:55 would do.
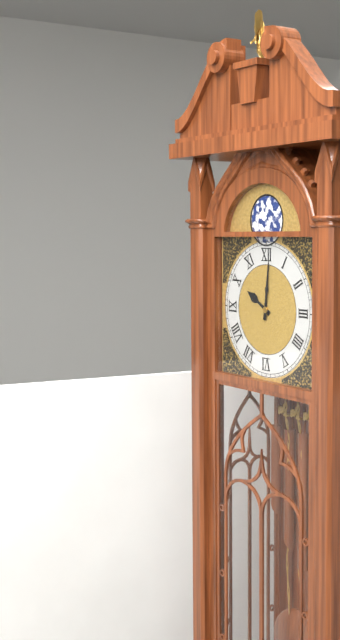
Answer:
10:01
